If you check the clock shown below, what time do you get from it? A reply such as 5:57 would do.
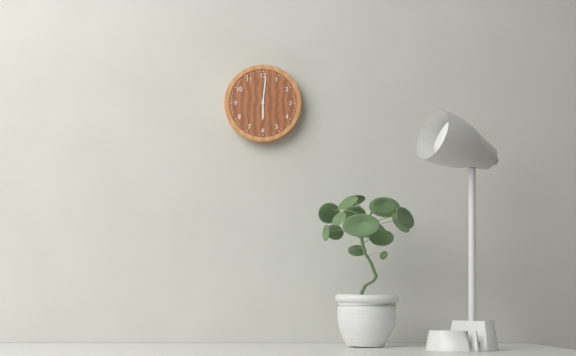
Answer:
6:01
